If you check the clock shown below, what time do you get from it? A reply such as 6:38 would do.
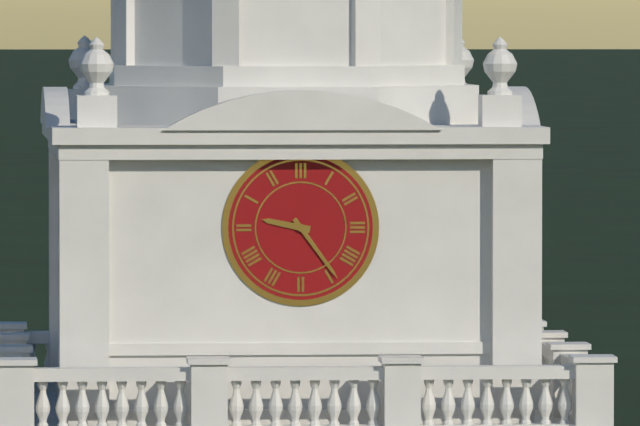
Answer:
9:24
